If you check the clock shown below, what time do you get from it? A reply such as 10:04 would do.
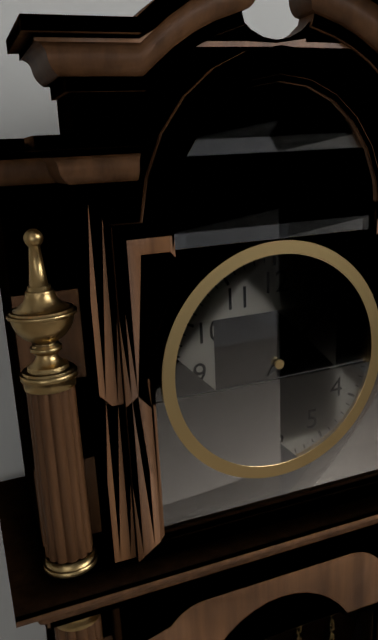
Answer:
10:08
